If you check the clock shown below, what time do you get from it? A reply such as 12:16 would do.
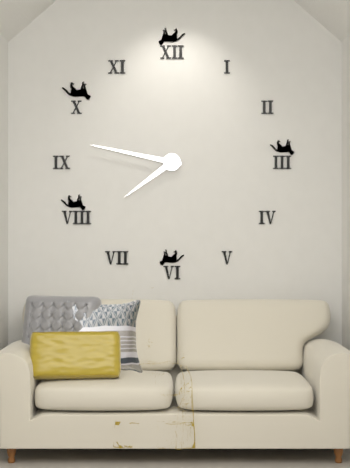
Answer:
7:47
